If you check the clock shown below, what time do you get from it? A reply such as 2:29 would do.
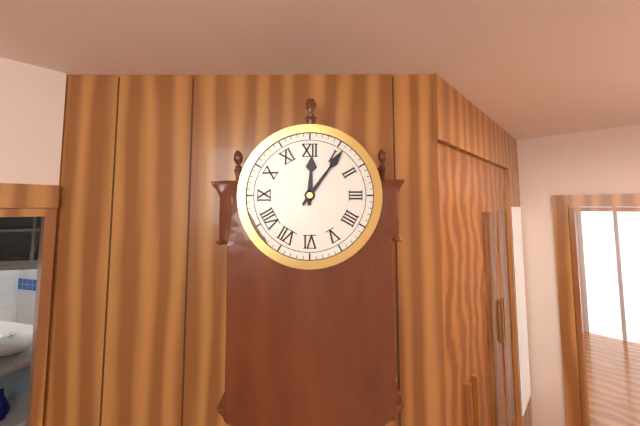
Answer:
12:06
